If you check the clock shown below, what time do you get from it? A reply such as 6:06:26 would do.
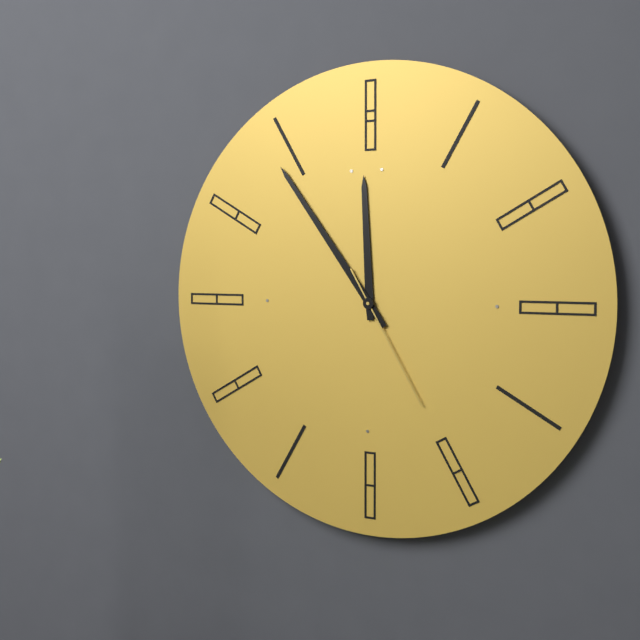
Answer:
11:54:25
